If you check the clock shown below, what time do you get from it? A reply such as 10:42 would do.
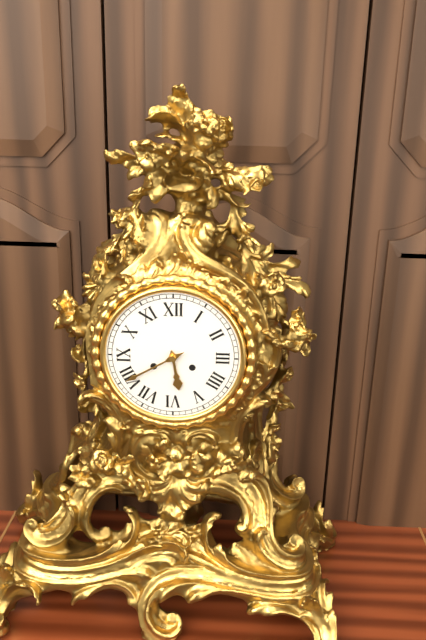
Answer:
5:40
